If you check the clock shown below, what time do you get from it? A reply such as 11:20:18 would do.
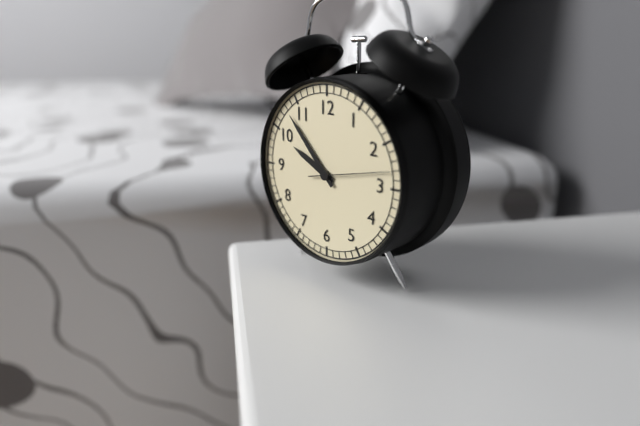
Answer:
9:53:13
